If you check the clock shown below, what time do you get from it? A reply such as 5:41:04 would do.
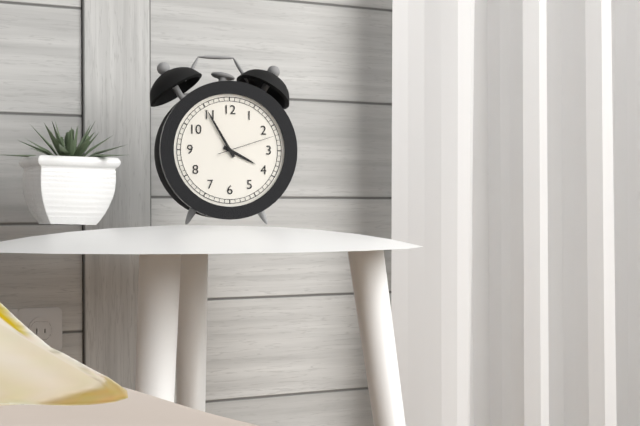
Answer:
3:55:12
